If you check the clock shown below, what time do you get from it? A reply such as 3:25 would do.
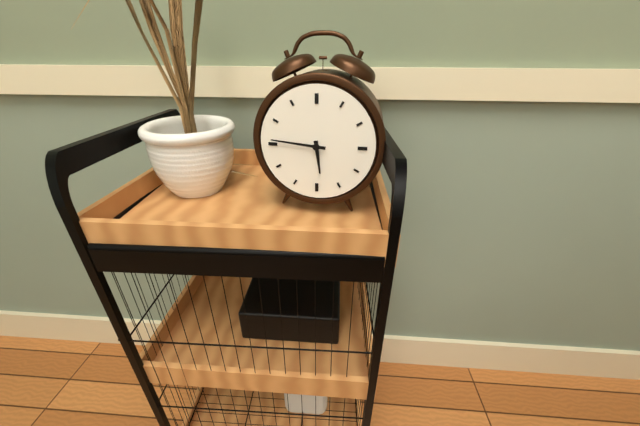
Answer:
5:46
